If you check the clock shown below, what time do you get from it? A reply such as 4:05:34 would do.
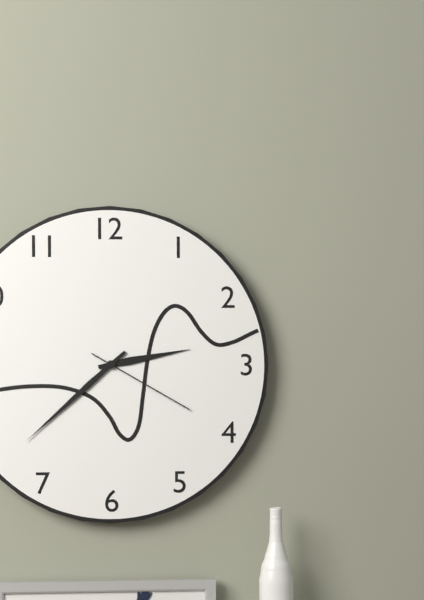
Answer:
2:38:20
